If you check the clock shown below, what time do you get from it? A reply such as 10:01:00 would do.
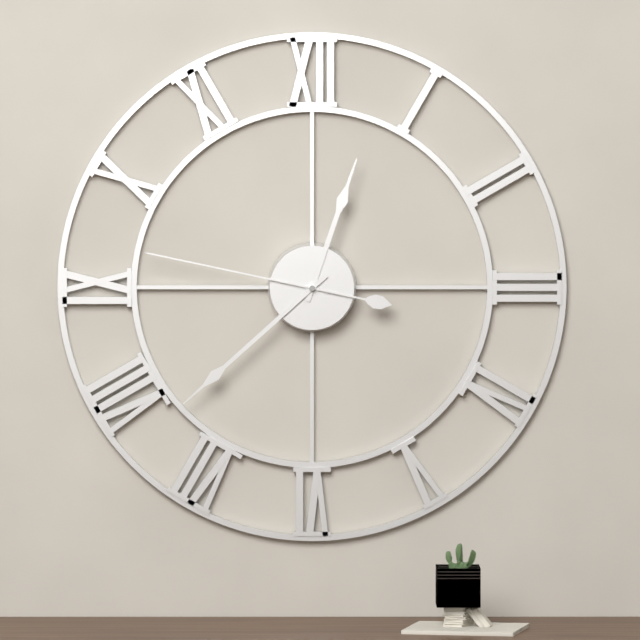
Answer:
12:38:47
